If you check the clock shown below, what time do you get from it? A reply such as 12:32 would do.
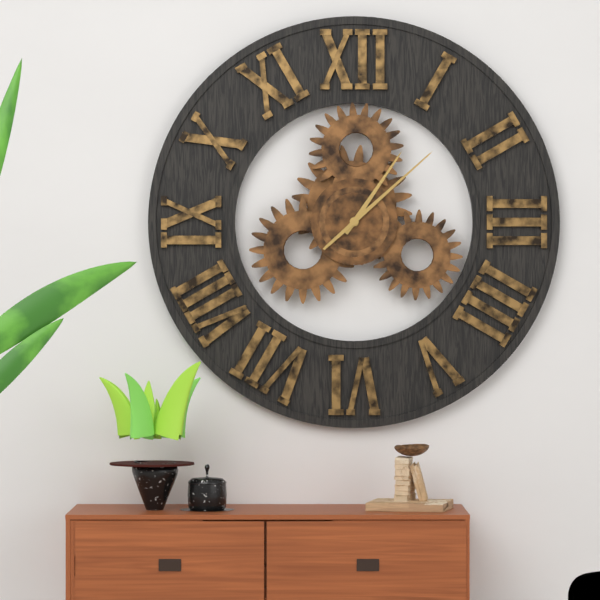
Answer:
1:08
